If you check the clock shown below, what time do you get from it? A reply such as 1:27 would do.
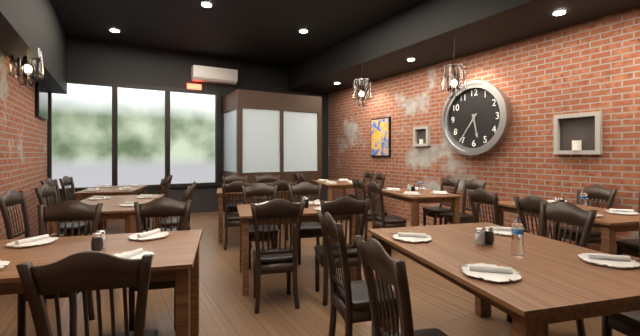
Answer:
5:36
